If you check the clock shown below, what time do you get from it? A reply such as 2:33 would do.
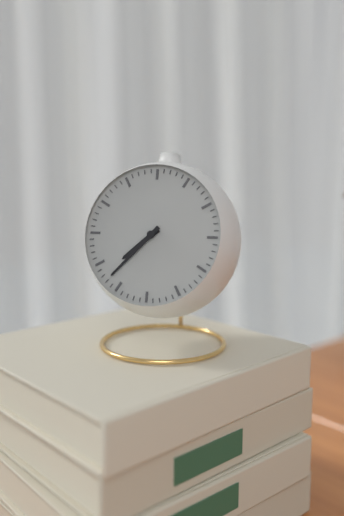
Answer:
7:37
